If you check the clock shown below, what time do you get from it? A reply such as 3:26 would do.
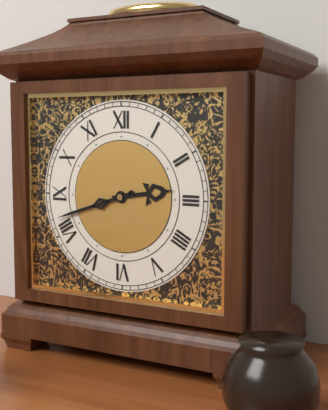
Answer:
2:42
